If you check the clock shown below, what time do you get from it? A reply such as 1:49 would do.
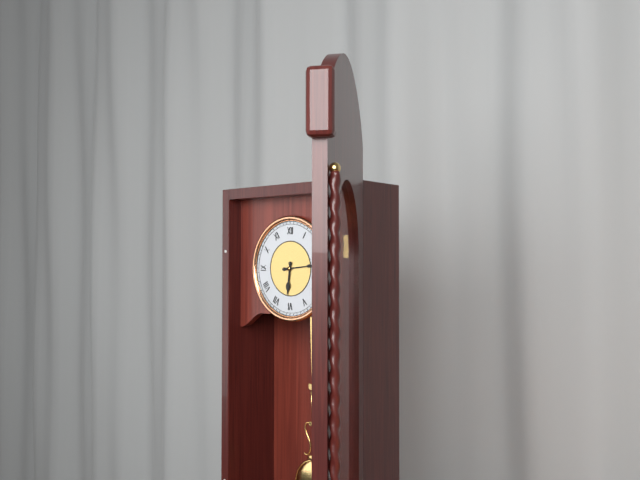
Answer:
6:14
